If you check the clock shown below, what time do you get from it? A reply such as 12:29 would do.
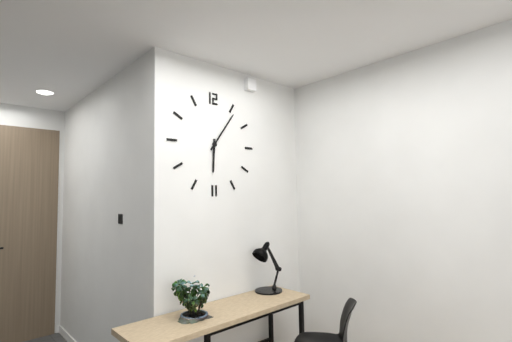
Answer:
6:06
